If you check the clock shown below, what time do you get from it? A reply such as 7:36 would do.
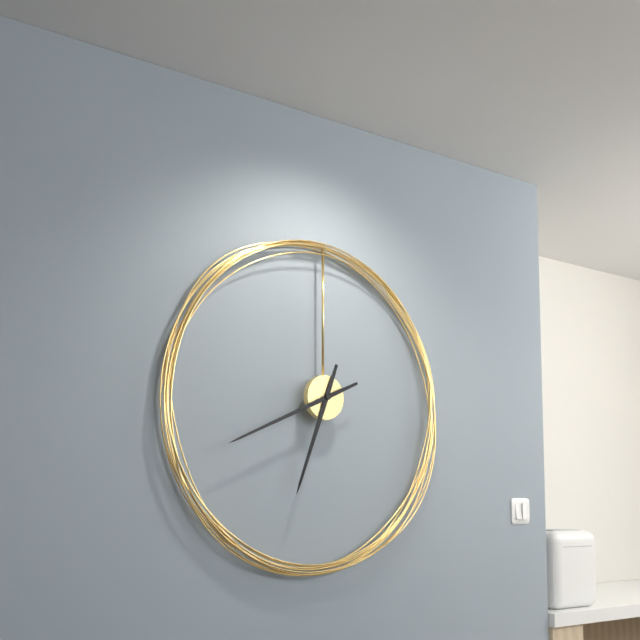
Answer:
6:41
